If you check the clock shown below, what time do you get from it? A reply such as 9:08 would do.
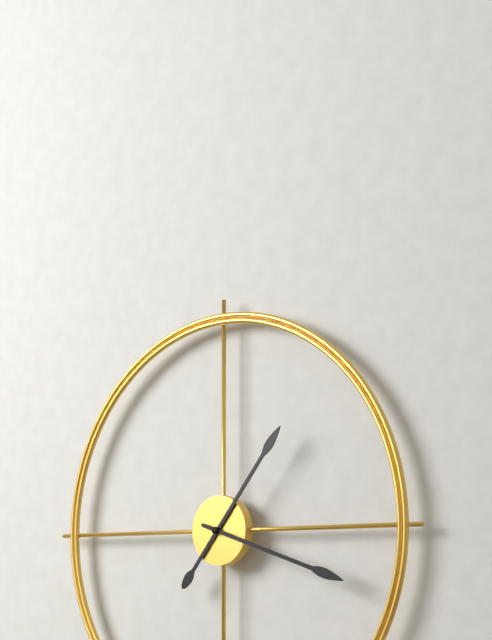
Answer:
1:18
